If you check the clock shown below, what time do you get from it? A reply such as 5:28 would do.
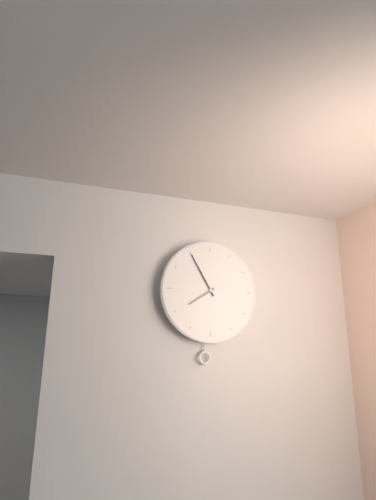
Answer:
7:55
